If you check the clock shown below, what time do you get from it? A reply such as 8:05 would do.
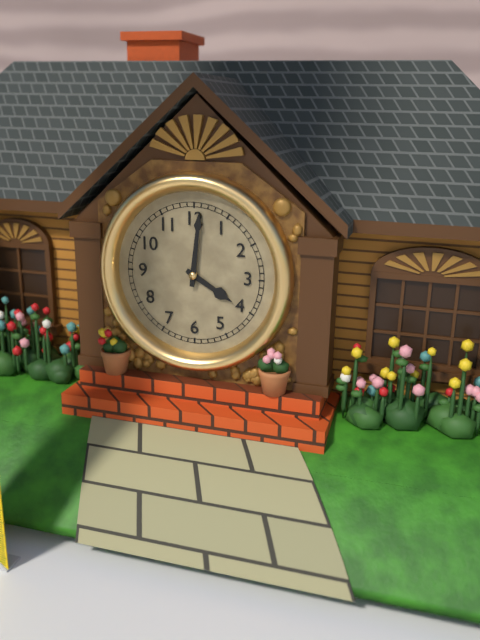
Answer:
4:01
